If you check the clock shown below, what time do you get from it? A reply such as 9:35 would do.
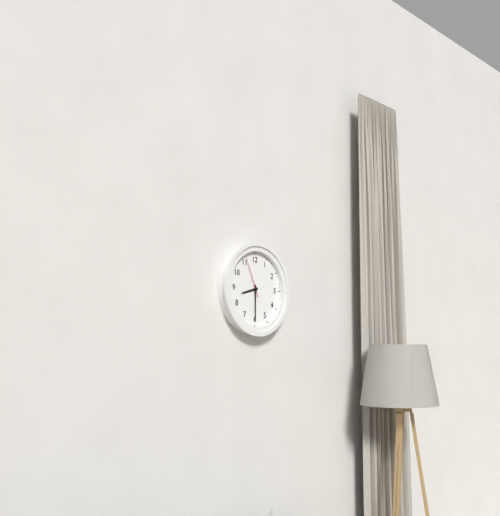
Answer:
8:30
